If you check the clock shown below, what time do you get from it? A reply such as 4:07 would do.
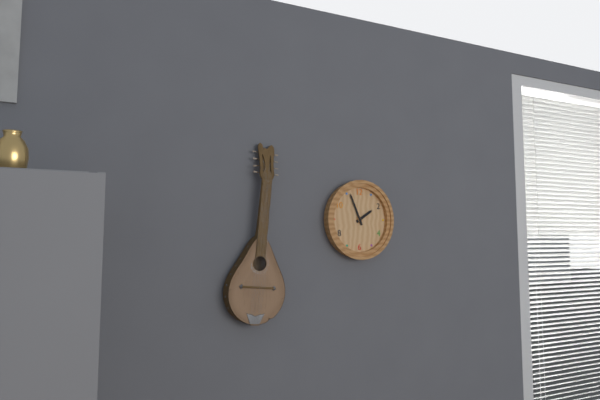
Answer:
1:56
